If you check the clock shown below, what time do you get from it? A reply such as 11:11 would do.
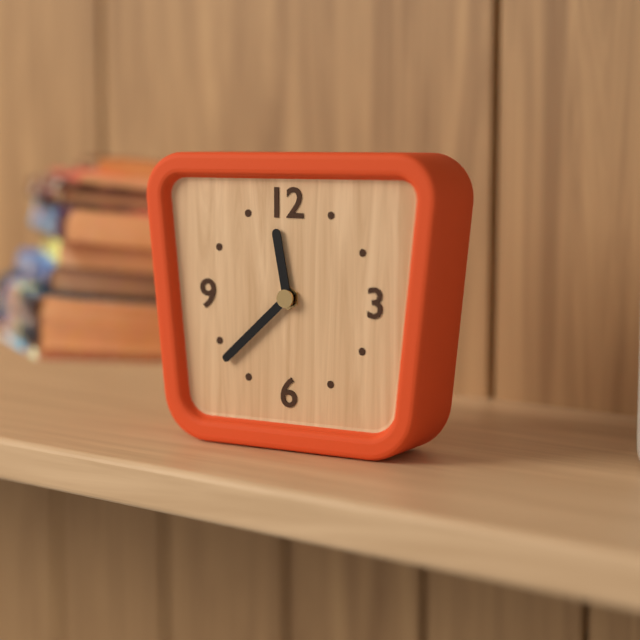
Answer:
11:38
